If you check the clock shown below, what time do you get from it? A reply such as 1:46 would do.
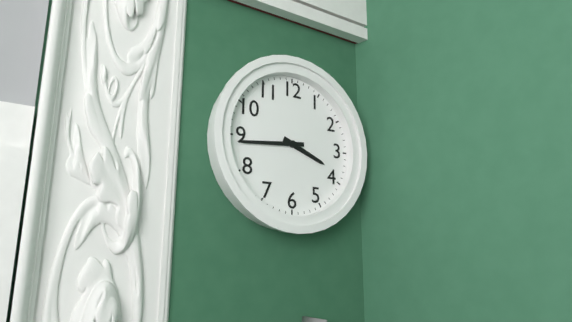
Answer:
3:44
